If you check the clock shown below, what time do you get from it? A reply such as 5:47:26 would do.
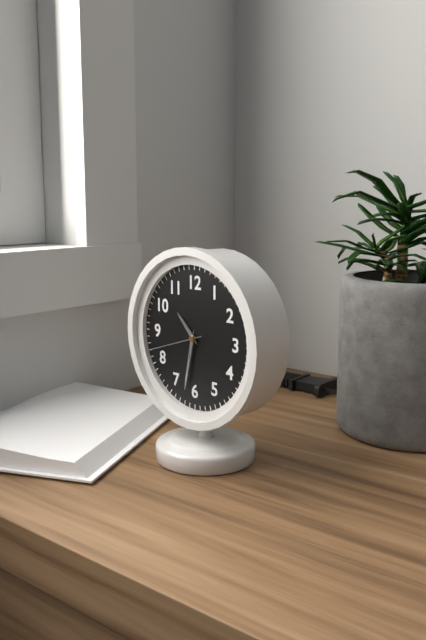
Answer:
10:32:42
